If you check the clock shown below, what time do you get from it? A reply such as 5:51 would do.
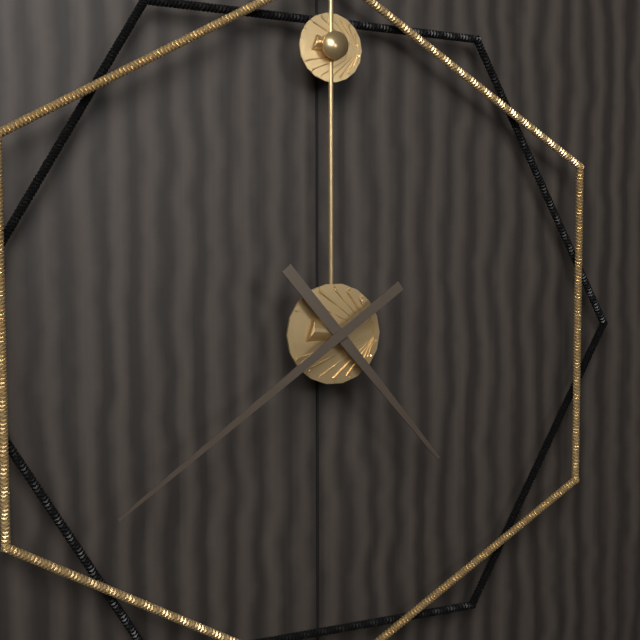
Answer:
4:39
